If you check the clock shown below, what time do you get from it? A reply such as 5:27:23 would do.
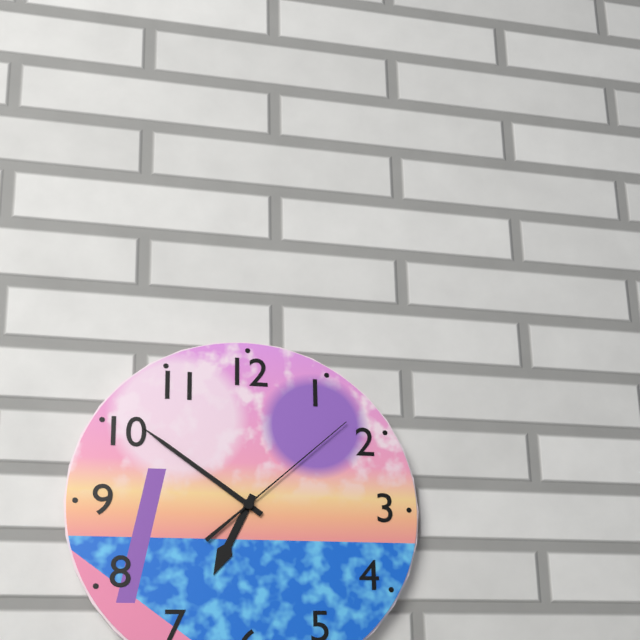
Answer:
6:51:08
